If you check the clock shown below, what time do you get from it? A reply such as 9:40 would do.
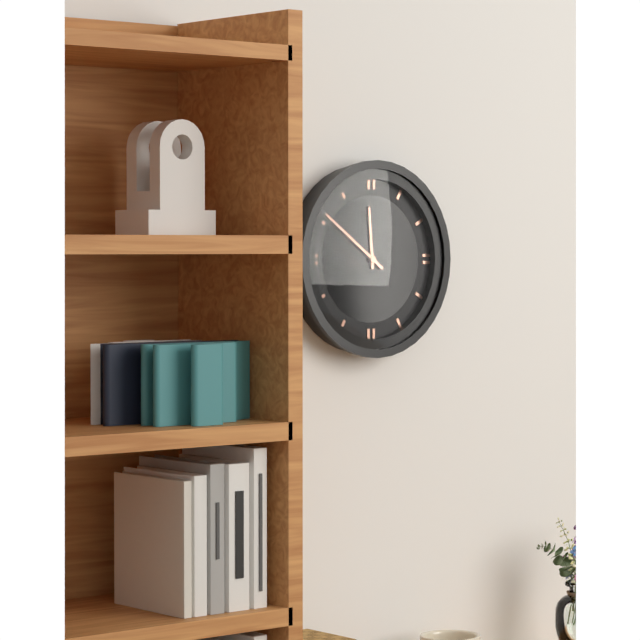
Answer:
11:51
